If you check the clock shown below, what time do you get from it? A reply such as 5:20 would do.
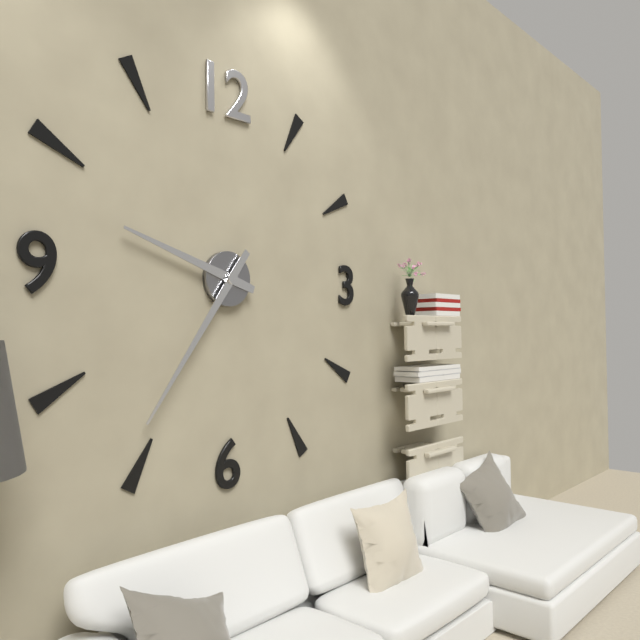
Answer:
9:36
